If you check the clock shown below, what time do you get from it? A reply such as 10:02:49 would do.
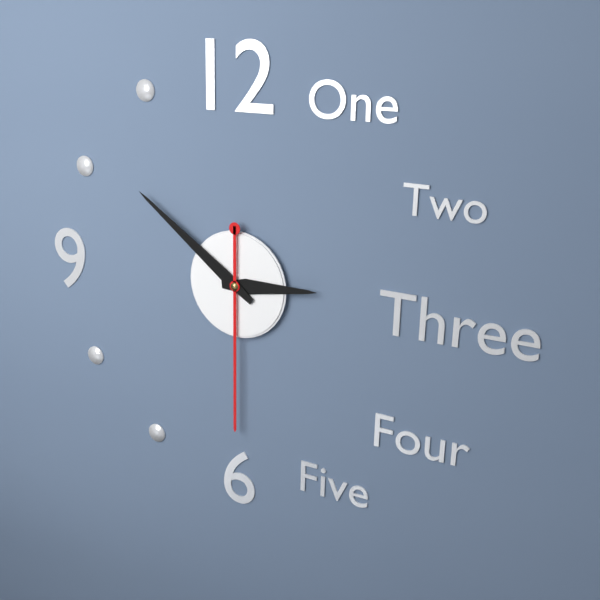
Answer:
2:51:30
